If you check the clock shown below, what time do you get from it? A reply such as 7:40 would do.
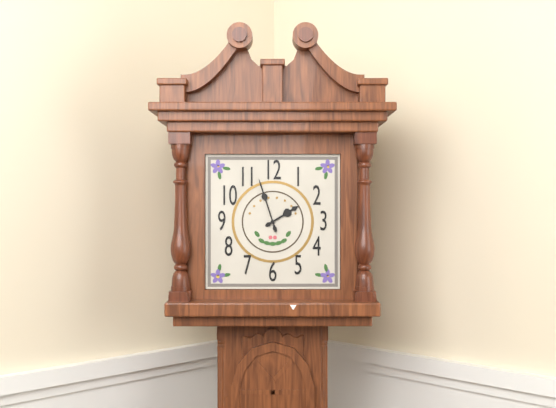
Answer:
1:57
